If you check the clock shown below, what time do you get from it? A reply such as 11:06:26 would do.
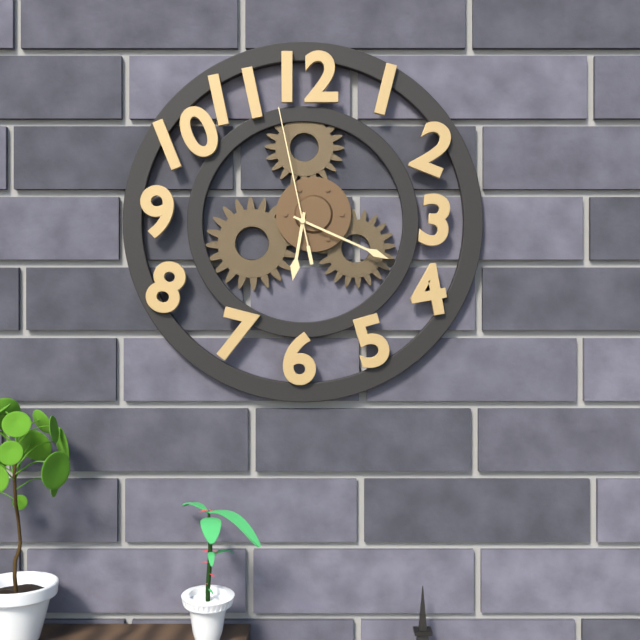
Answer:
6:19:58
